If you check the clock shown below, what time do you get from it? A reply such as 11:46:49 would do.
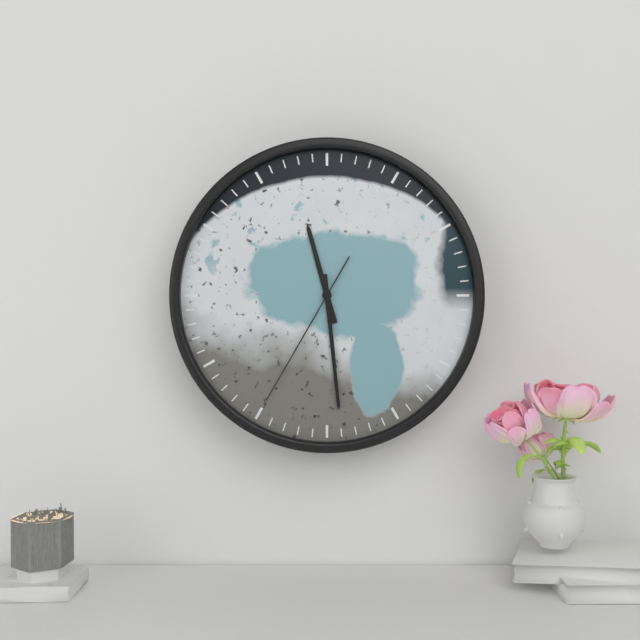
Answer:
11:29:35
